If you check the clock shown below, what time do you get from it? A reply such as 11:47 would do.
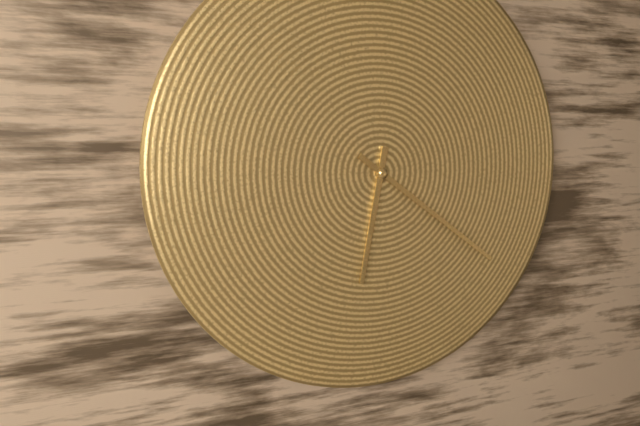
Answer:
6:21
